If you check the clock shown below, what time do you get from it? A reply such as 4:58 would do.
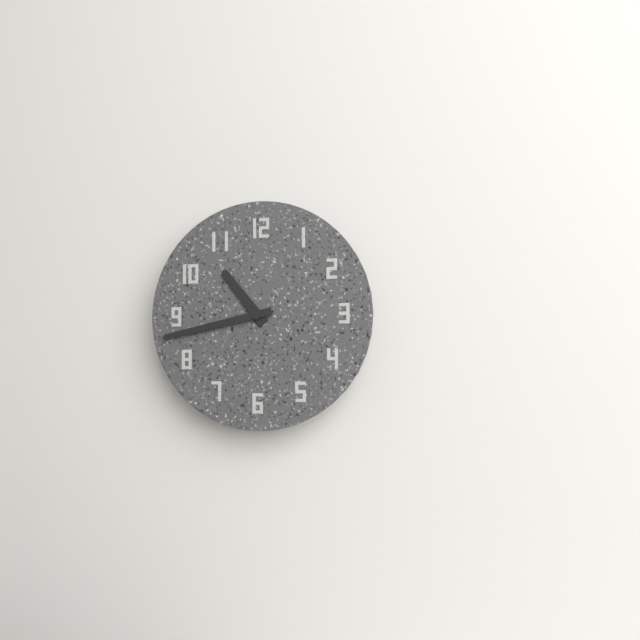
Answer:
10:43
